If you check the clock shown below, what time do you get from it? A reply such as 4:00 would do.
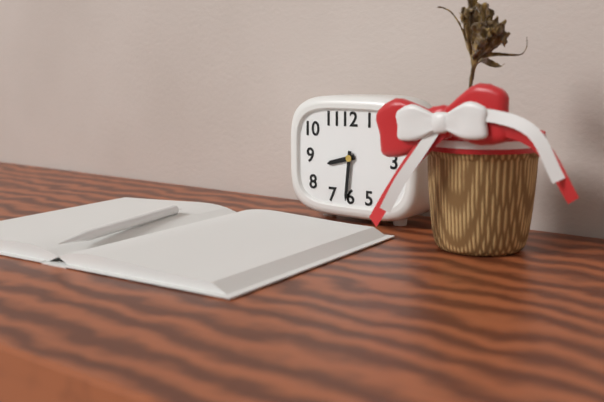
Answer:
8:31
